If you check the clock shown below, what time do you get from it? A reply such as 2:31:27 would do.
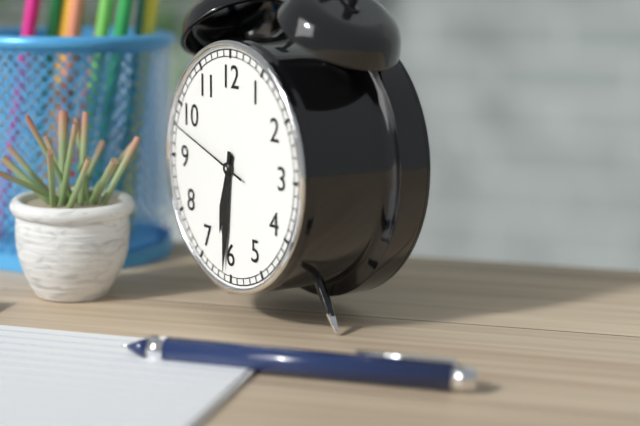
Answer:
6:31:48
